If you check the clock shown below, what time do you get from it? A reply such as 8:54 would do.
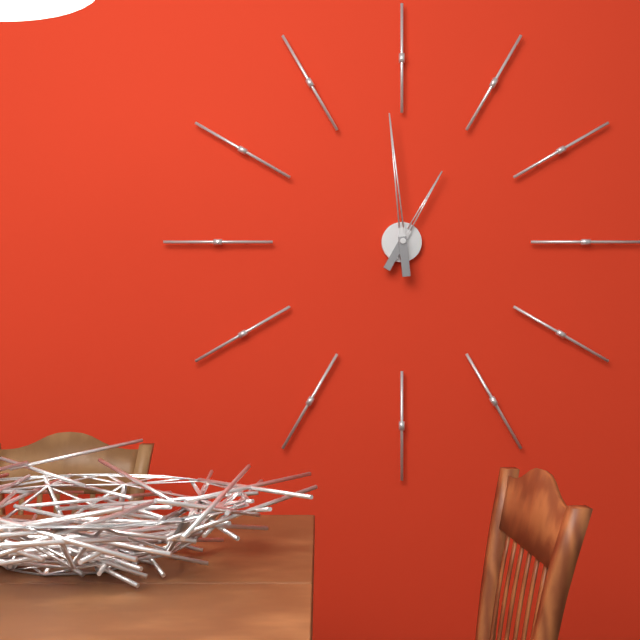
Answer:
12:59
